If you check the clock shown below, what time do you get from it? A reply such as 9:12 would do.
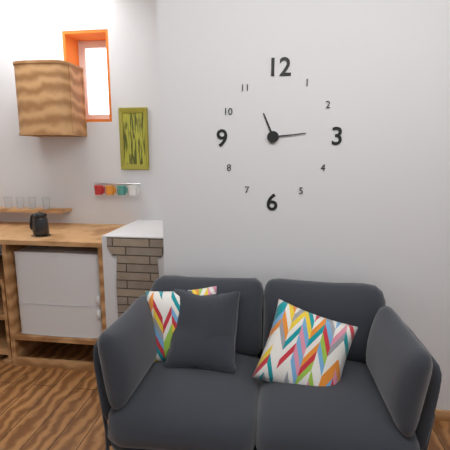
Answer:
11:14
